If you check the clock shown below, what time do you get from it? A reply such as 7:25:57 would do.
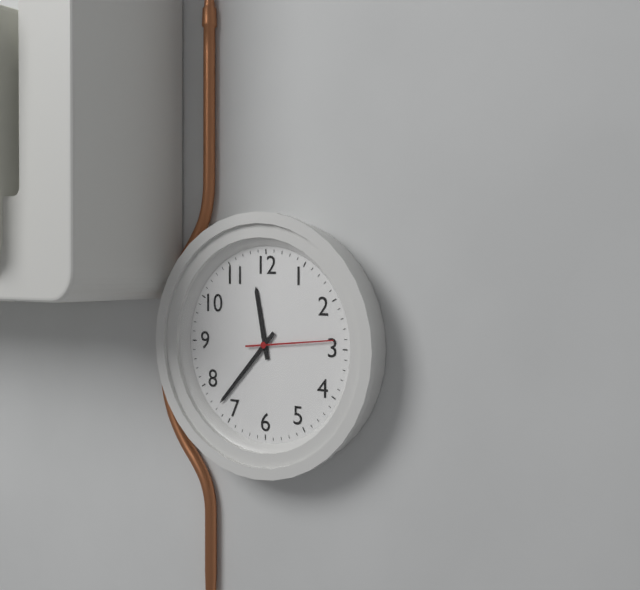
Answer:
11:37:14
